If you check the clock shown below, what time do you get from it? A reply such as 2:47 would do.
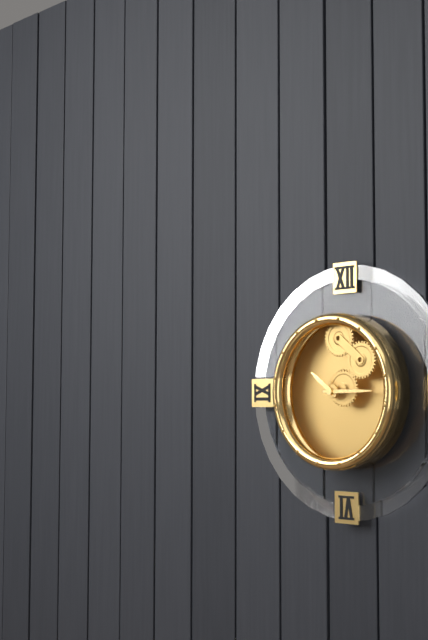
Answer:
10:15
